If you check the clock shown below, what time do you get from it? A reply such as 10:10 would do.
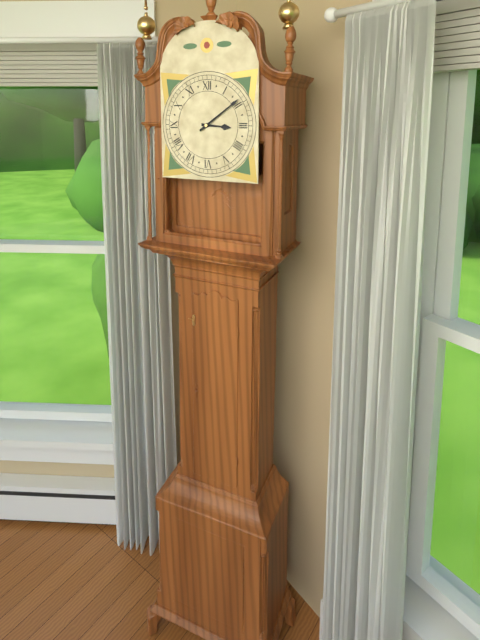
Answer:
3:09
